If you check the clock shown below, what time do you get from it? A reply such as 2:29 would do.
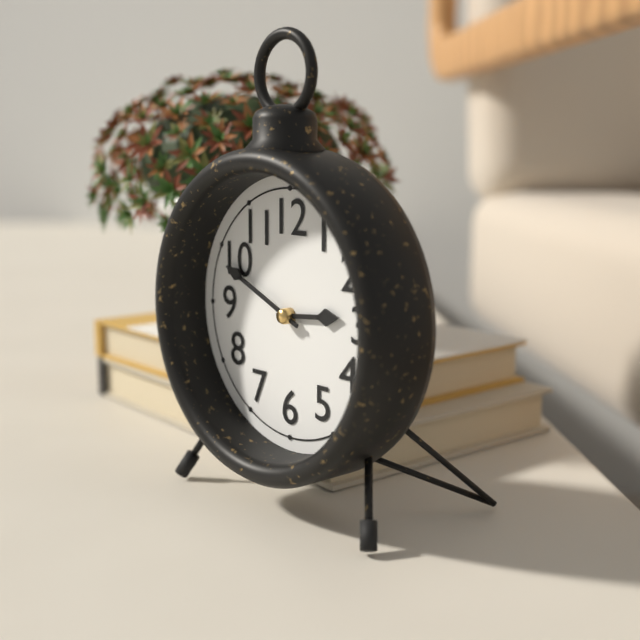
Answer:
2:49
